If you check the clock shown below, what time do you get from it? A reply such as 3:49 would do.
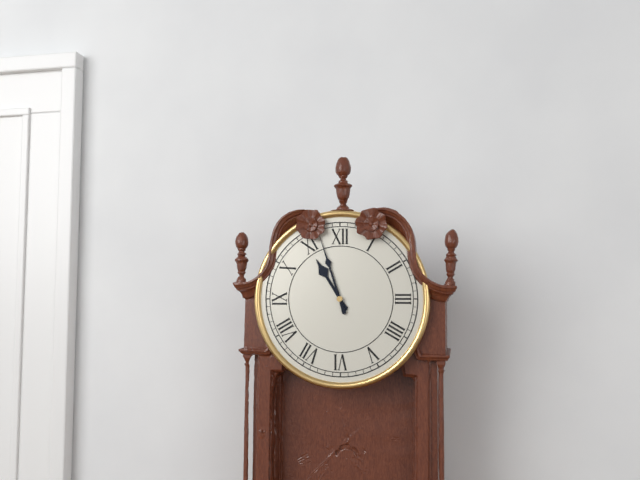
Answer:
10:57
